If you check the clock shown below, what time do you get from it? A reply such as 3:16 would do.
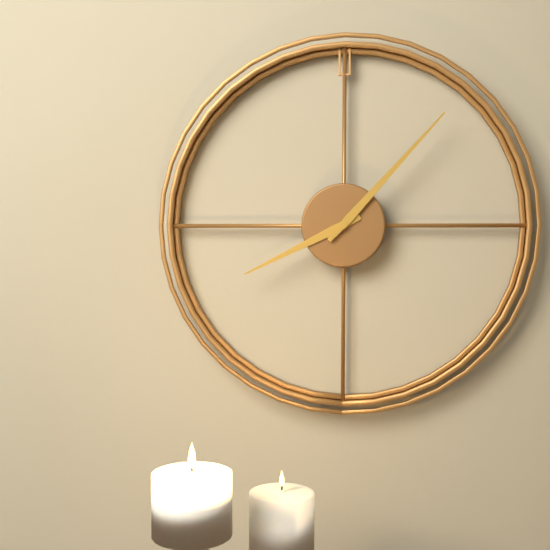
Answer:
8:07
